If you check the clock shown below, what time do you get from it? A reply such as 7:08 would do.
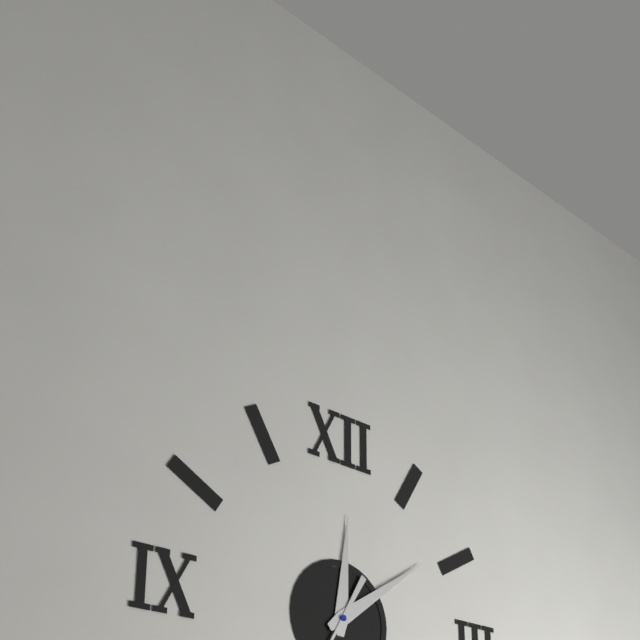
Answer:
12:09
